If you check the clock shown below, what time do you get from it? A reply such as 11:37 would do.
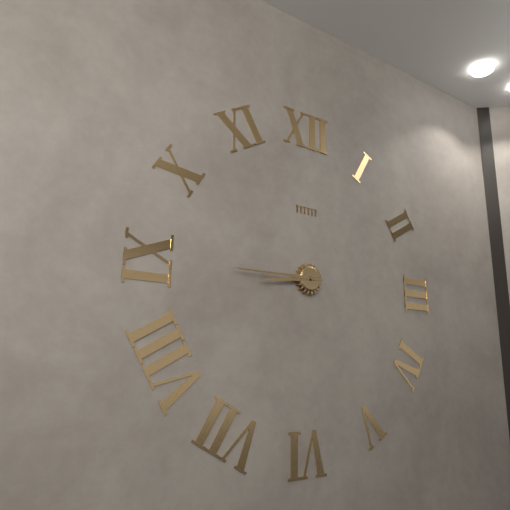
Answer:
8:45
